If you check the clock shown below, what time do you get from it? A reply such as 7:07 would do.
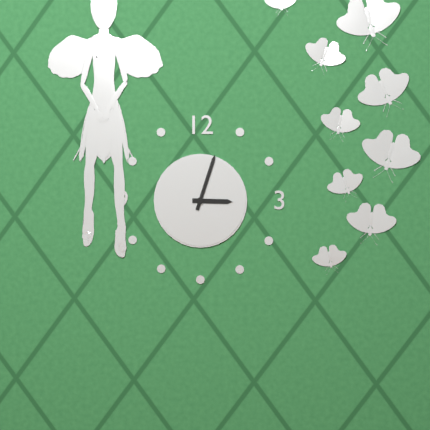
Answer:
3:03
